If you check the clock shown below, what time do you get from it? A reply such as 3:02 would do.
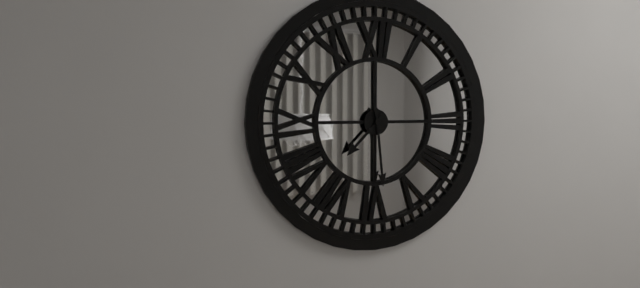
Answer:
7:29
